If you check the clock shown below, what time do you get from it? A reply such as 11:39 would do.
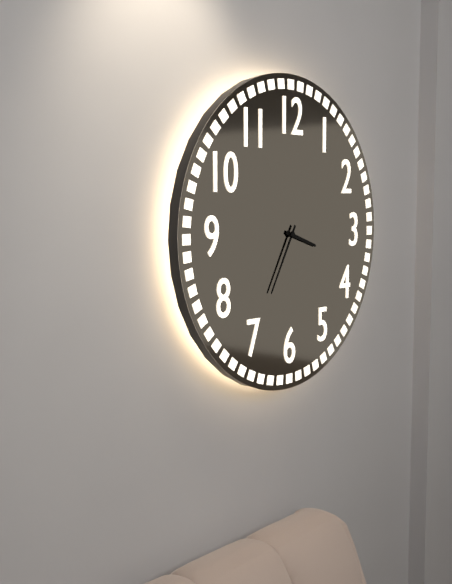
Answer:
3:35
